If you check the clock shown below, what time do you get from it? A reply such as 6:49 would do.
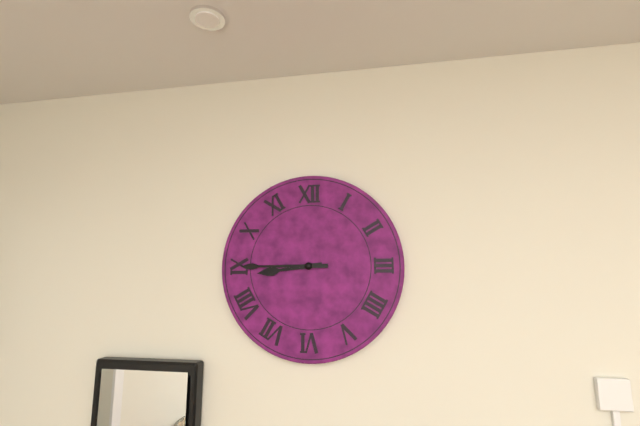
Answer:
8:45
